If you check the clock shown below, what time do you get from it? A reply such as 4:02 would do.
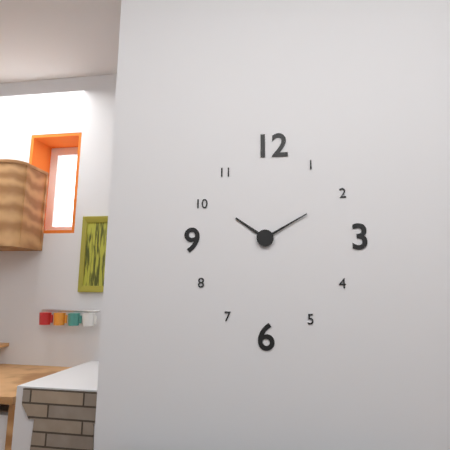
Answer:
10:10
